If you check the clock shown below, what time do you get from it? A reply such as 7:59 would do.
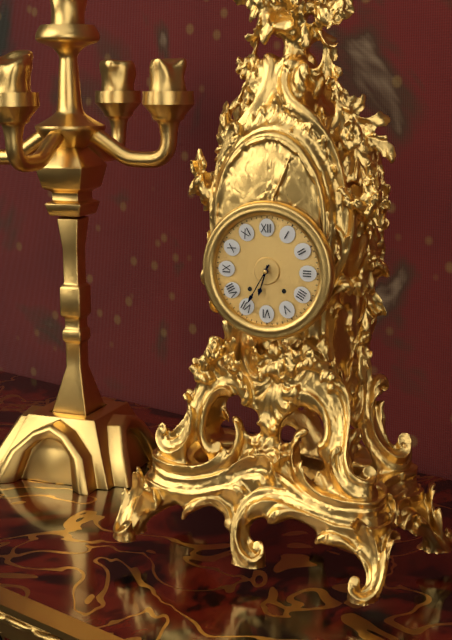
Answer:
6:35
